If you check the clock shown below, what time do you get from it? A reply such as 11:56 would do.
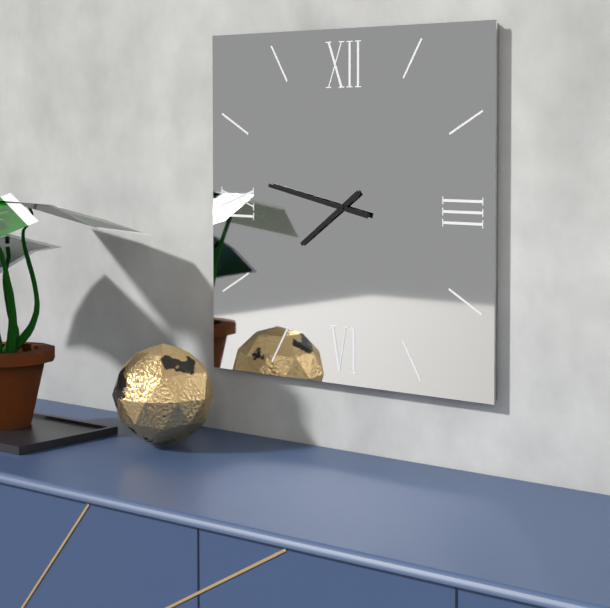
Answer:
7:47
